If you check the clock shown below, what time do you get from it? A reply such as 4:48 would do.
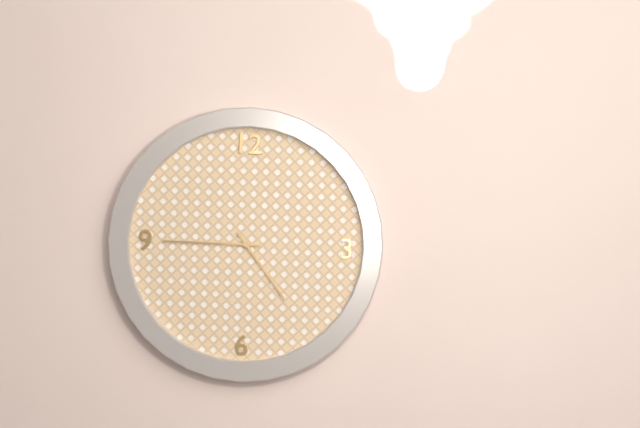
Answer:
4:45
